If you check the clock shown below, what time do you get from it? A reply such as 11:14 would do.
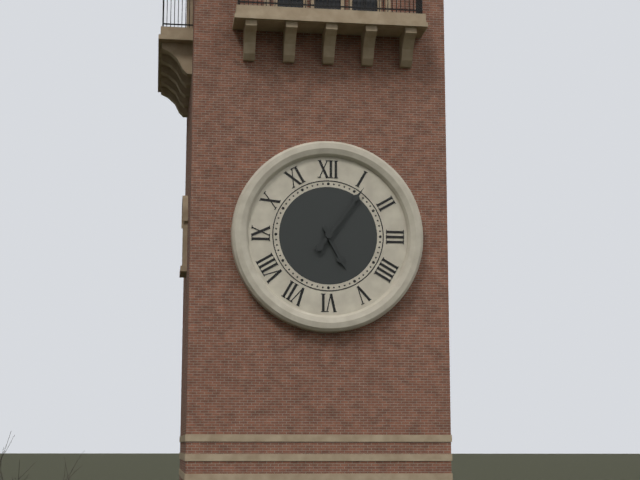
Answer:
5:06
